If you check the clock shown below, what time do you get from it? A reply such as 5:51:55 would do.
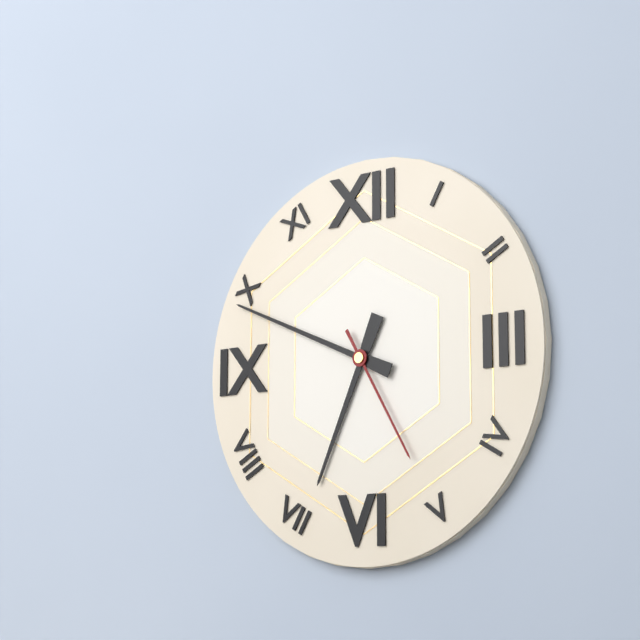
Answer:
6:49:25
